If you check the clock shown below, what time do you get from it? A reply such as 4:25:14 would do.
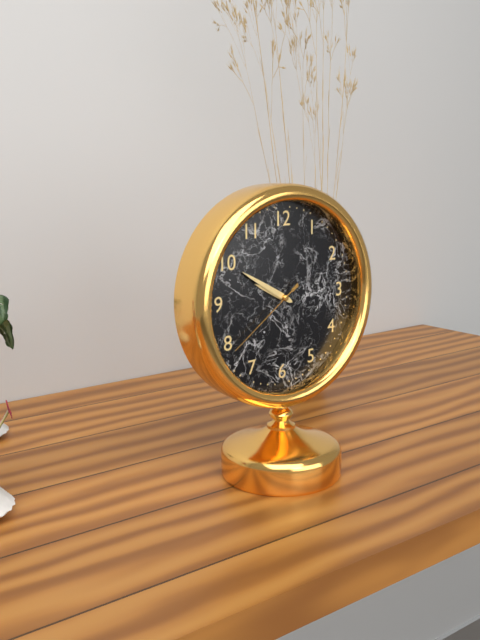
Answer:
9:50:39
